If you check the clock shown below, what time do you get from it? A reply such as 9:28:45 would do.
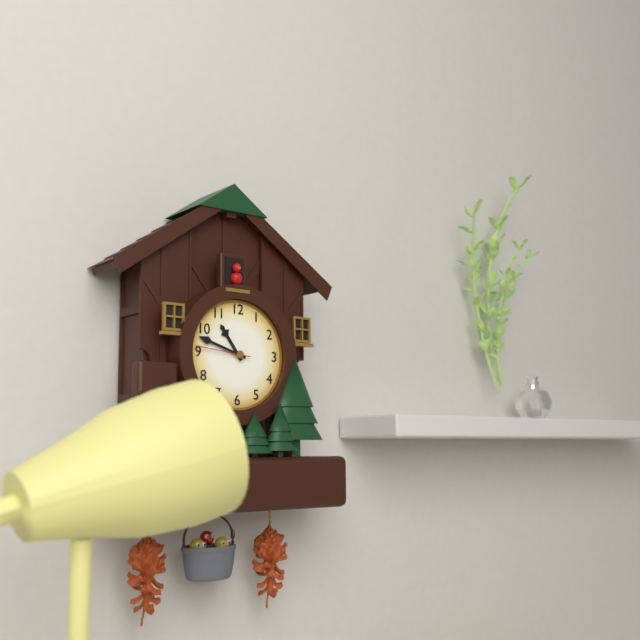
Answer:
10:48:46
